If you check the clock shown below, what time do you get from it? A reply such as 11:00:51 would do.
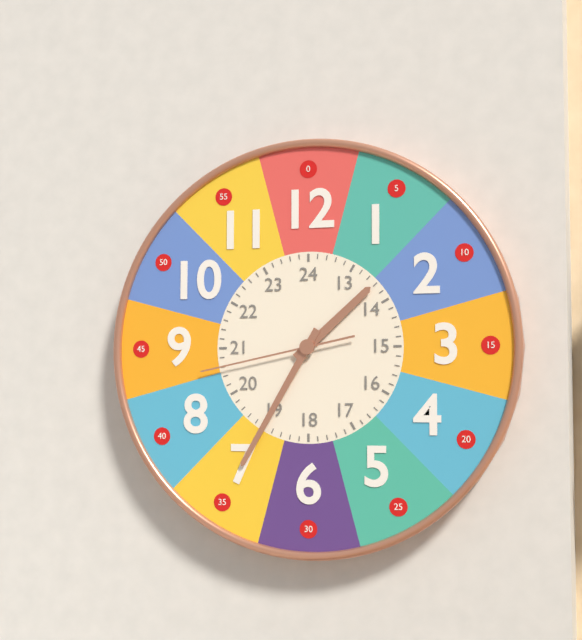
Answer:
1:35:43
